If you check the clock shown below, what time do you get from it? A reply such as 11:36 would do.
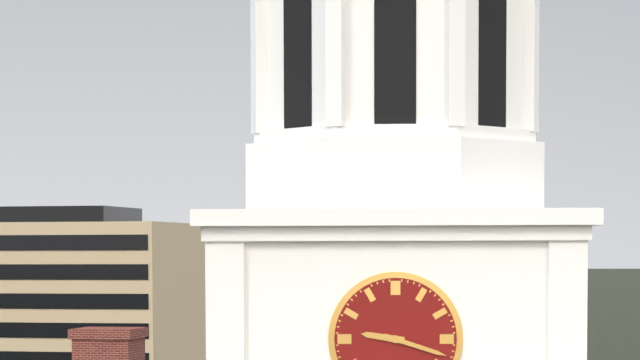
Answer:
9:18
